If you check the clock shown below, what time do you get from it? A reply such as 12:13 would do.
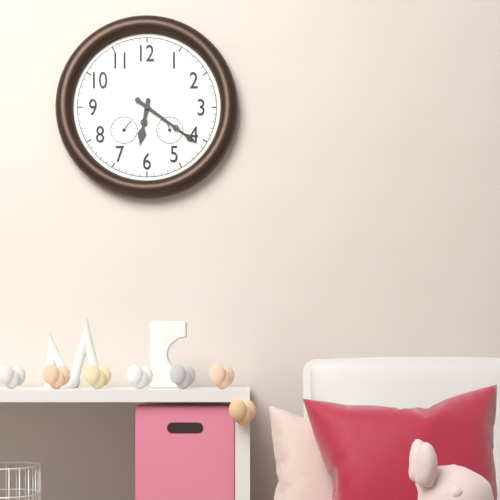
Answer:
6:21
